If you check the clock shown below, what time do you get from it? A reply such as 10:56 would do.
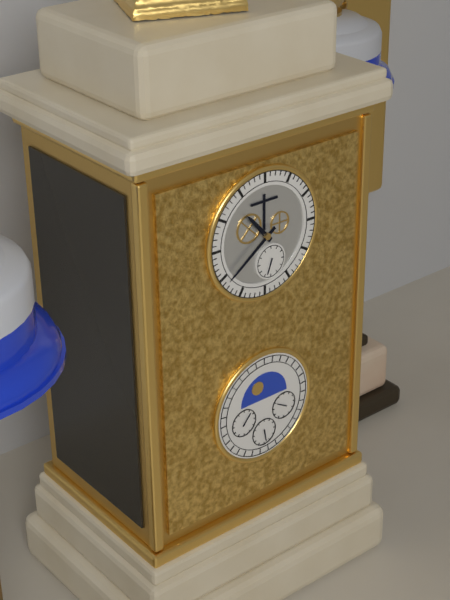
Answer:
10:39
